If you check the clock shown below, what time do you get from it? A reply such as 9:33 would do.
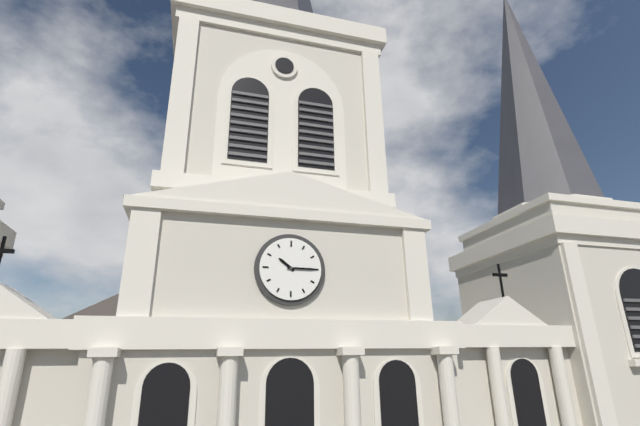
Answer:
10:15
